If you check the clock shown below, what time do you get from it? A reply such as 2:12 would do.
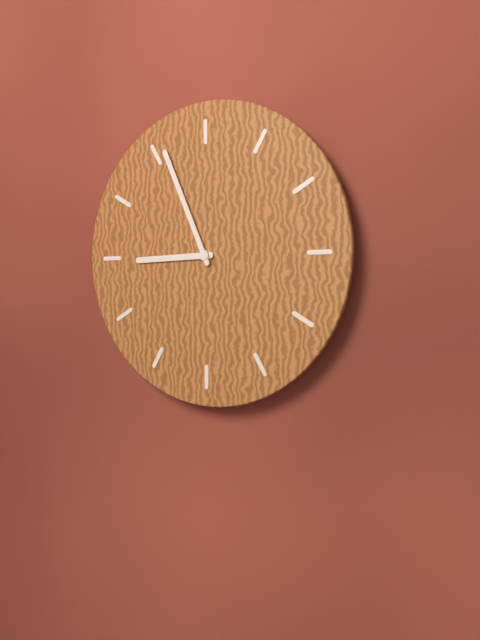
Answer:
8:56
